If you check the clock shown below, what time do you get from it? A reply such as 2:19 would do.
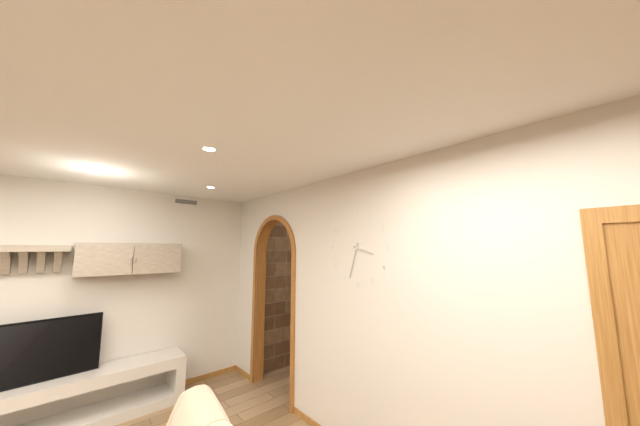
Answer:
3:33
